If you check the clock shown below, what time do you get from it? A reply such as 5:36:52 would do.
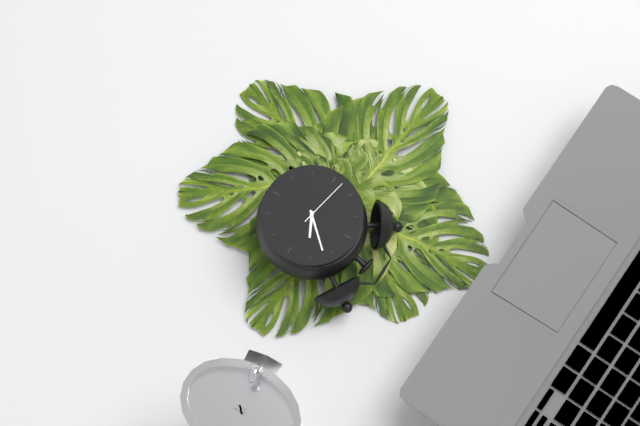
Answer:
2:07:47
